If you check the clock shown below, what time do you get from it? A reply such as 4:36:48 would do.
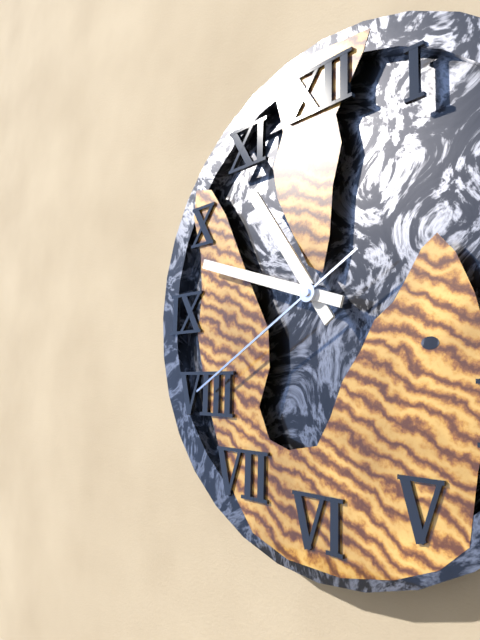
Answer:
10:48:40
